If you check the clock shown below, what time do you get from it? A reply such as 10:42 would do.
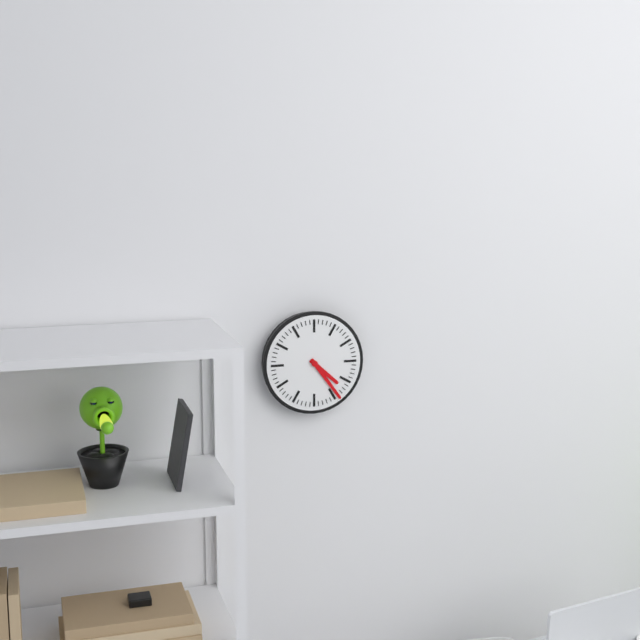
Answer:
4:24
